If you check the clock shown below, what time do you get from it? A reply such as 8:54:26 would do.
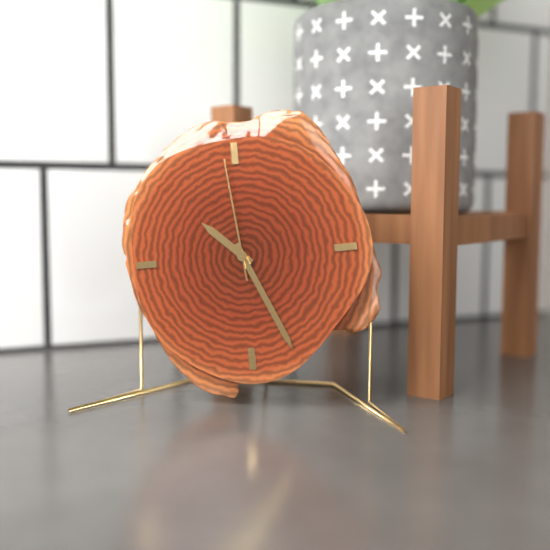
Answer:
10:26:59
